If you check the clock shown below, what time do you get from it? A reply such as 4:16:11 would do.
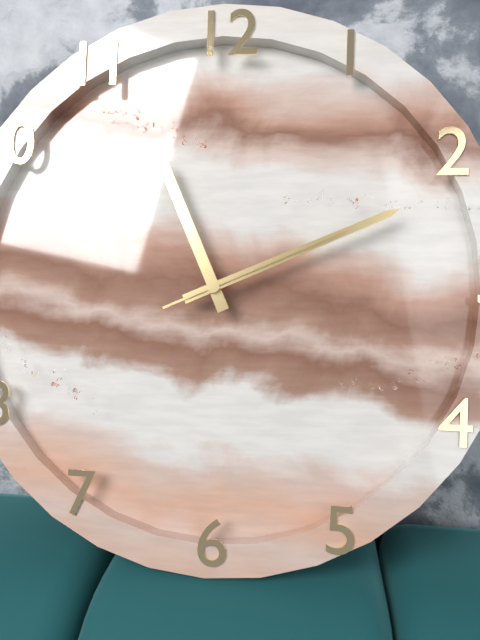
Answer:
11:11:11
